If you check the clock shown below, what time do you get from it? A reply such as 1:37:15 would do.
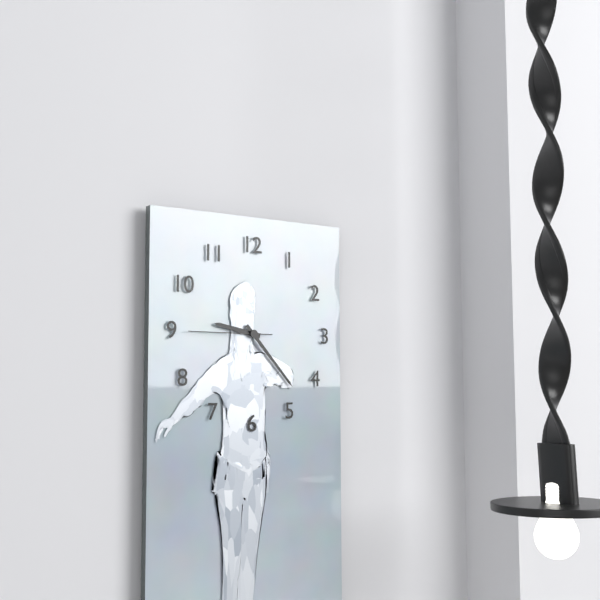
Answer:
9:23:45
